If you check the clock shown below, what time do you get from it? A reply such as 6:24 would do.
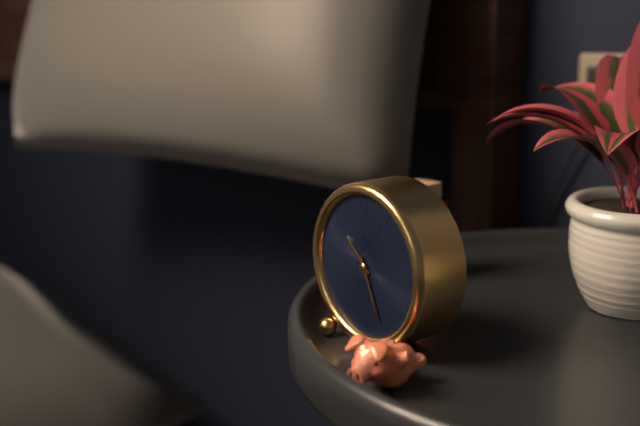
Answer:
10:26
